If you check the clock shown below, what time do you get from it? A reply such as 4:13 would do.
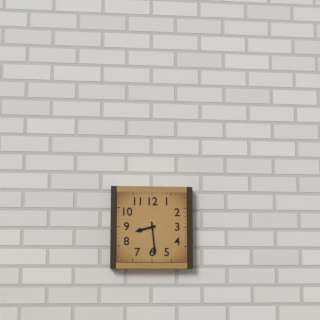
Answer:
8:29
